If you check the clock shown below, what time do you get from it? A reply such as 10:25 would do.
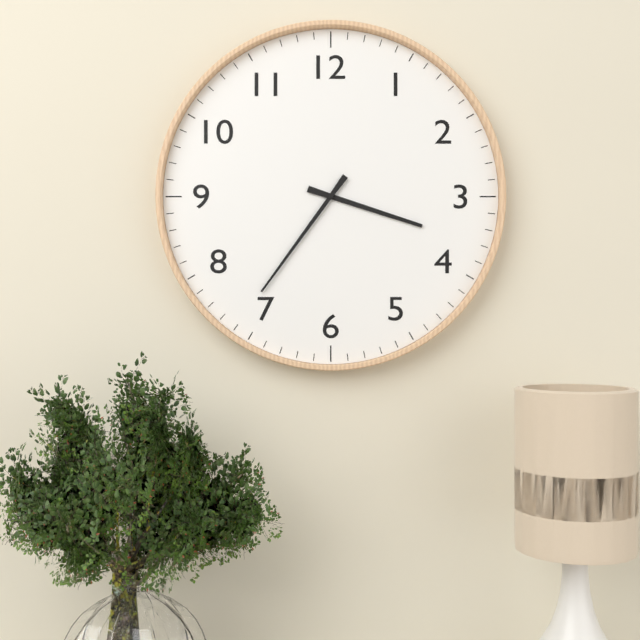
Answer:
3:36
